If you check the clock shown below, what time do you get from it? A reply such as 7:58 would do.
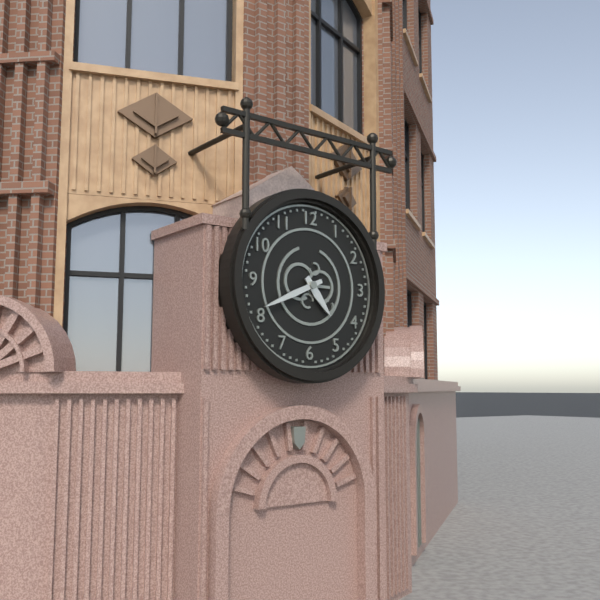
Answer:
4:41
